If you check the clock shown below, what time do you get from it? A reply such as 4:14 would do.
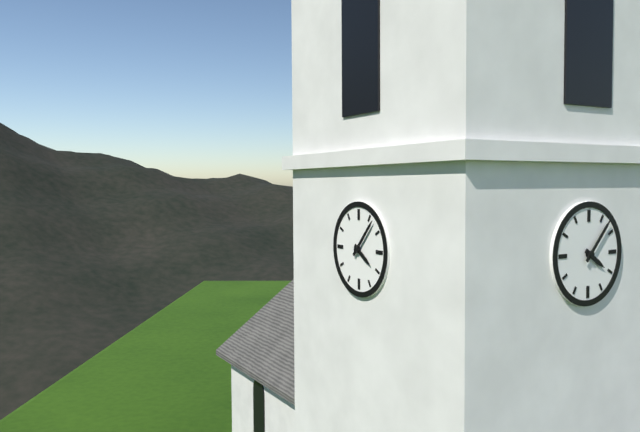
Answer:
4:07
